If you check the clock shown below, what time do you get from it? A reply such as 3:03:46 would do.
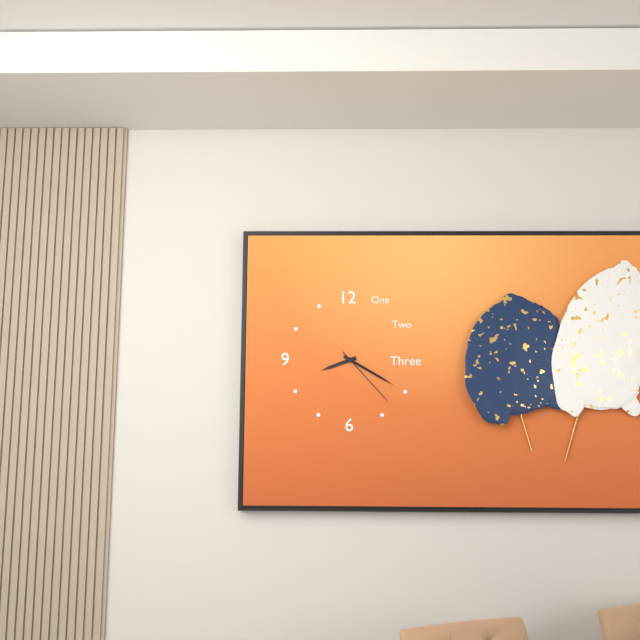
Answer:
8:20:23
